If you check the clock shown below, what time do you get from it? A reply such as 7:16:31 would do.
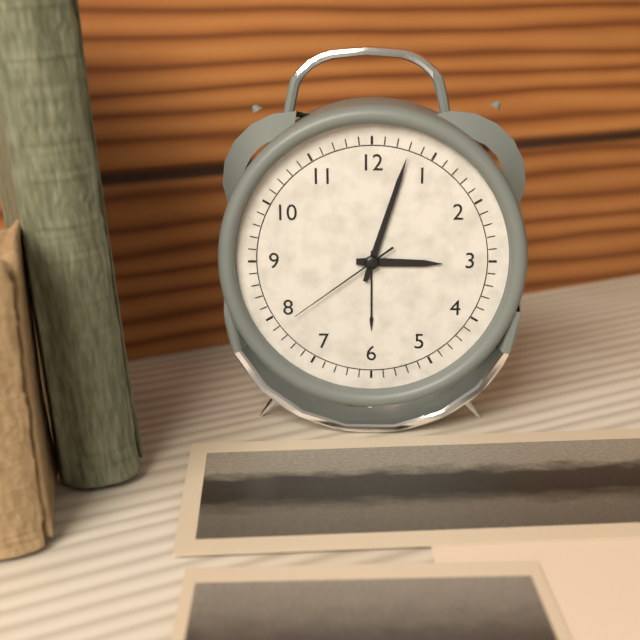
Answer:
3:03:39
